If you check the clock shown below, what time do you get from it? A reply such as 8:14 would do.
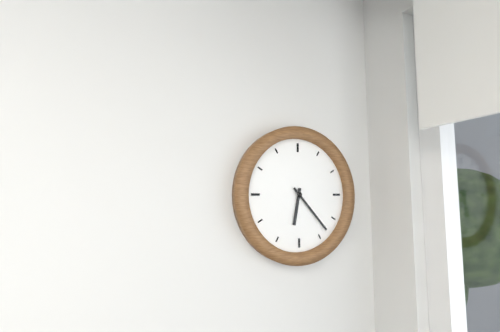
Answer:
6:23
